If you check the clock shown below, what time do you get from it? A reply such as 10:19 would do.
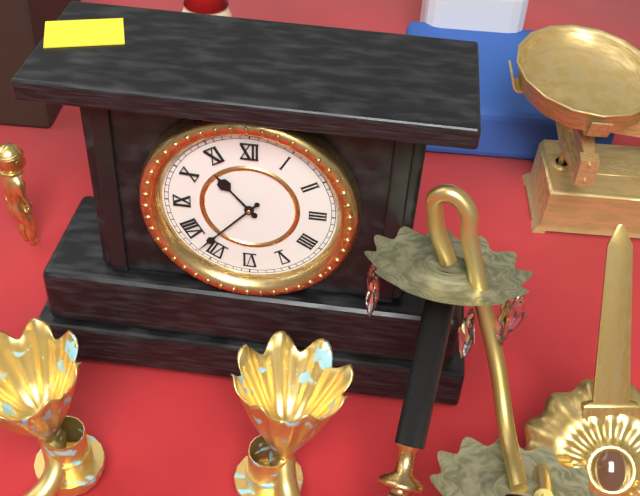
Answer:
10:37
